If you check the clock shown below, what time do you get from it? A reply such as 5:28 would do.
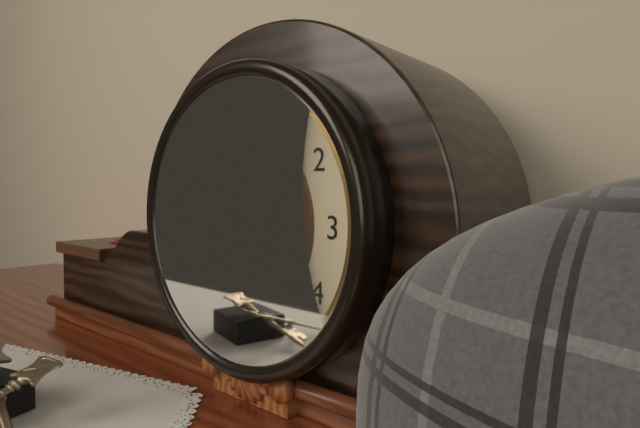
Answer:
7:32
